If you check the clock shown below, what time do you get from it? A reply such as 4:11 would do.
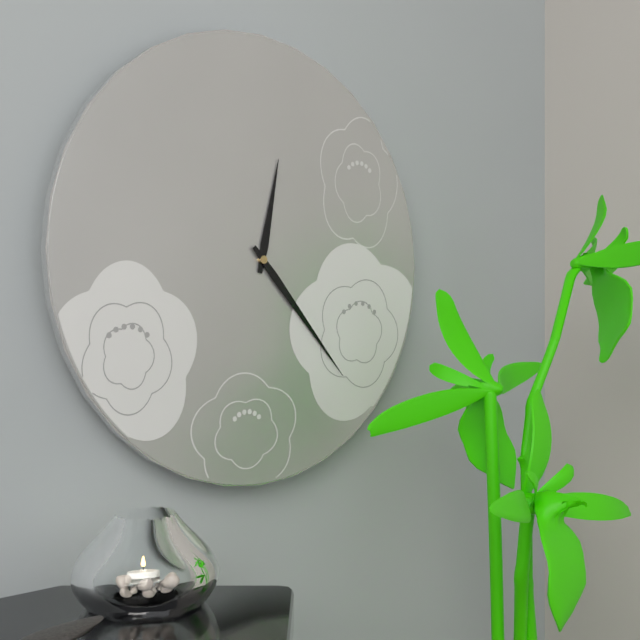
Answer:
12:23
